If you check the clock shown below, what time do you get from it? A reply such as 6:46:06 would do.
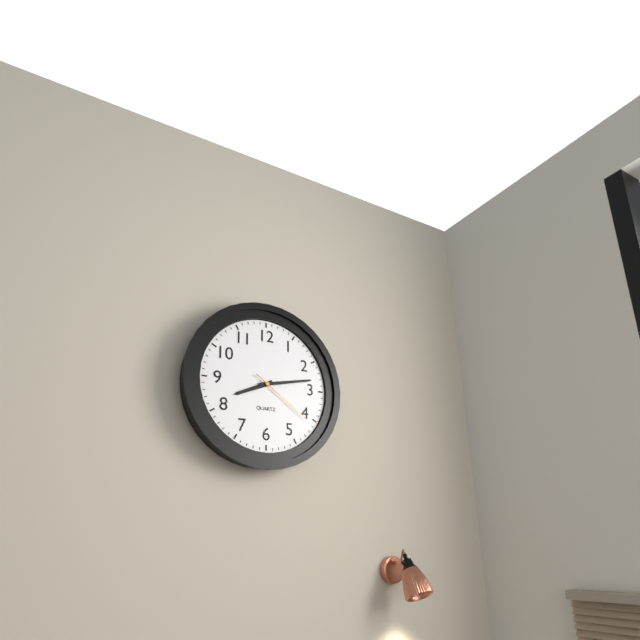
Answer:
8:13:21
